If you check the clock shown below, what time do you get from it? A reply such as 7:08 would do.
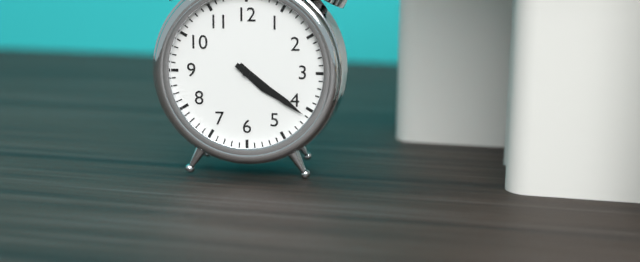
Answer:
4:21
